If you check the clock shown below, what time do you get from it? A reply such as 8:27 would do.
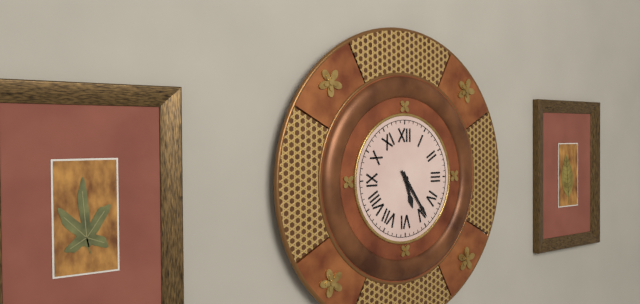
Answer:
5:24
